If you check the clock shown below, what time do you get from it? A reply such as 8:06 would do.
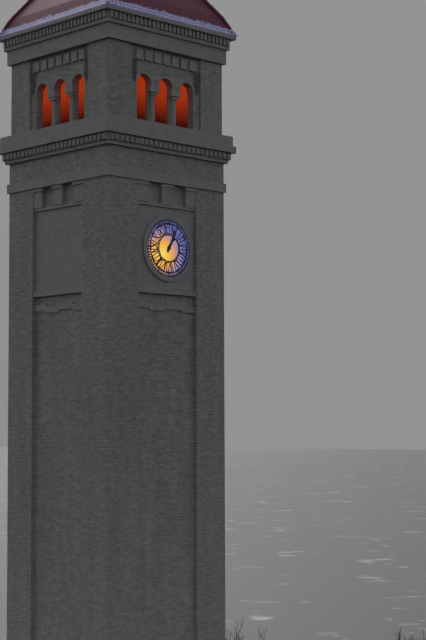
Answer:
1:04
